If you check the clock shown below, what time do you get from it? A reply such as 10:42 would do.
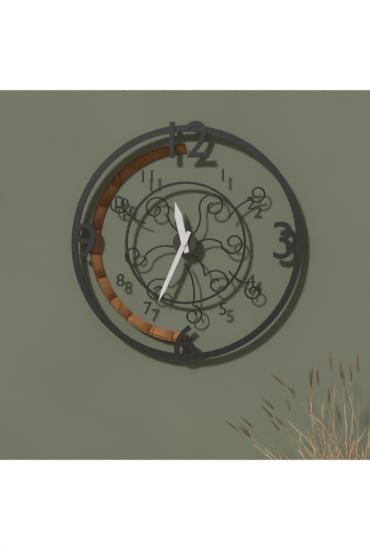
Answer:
11:34
